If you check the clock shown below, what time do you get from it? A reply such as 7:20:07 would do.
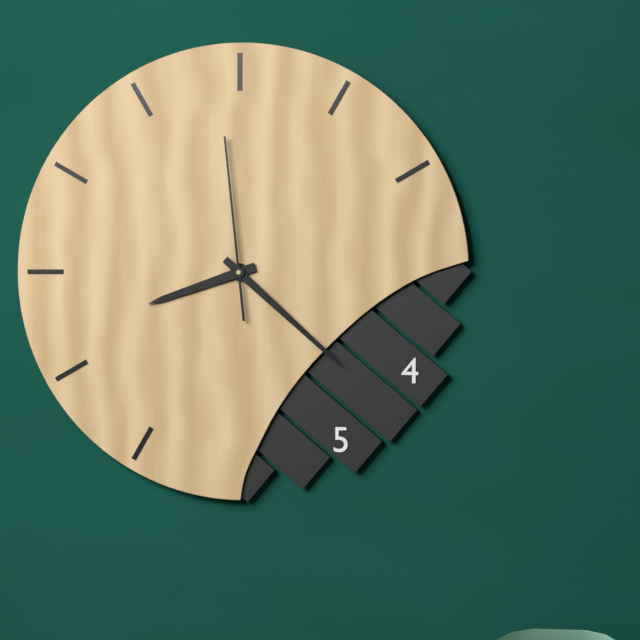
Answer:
8:22:59
